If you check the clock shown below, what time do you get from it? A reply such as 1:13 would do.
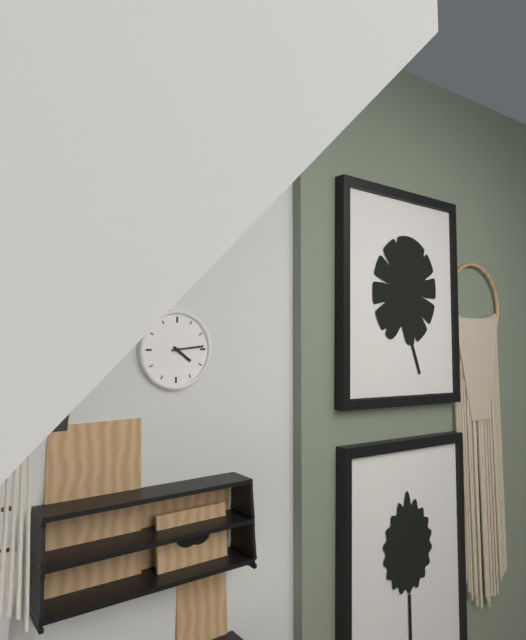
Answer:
4:14
